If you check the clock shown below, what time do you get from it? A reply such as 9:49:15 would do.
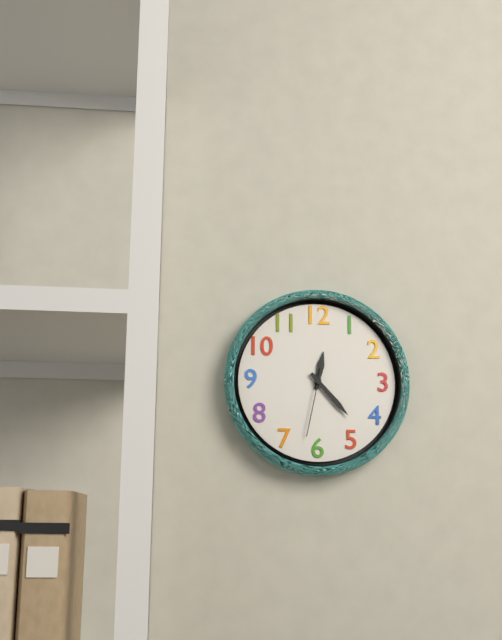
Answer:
12:23:32
